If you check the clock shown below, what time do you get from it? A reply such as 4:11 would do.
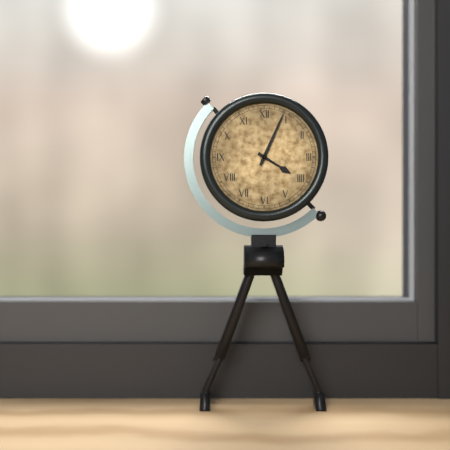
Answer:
4:04
